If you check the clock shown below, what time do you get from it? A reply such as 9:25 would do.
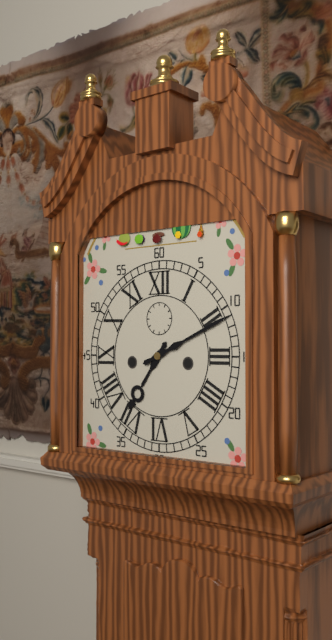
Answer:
7:11
